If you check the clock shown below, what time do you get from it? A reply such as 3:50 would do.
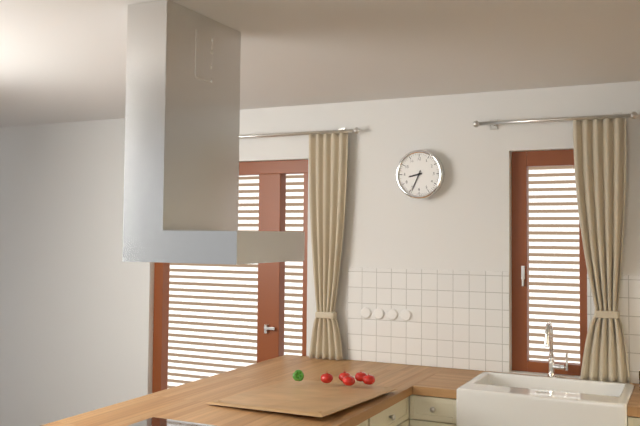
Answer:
8:34
